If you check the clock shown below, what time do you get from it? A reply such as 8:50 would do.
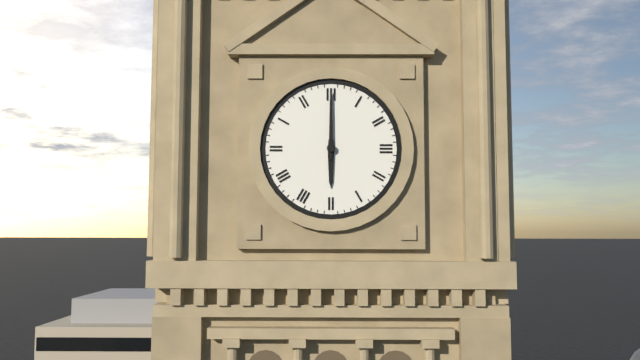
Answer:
6:00
